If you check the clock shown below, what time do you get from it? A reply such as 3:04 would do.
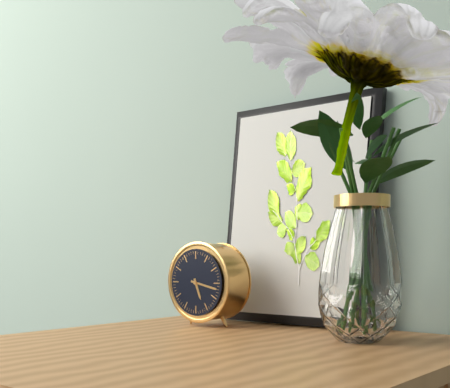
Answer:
5:17
